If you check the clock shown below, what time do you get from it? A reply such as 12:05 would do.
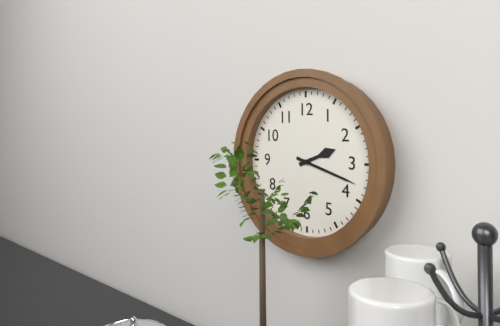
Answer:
2:18
